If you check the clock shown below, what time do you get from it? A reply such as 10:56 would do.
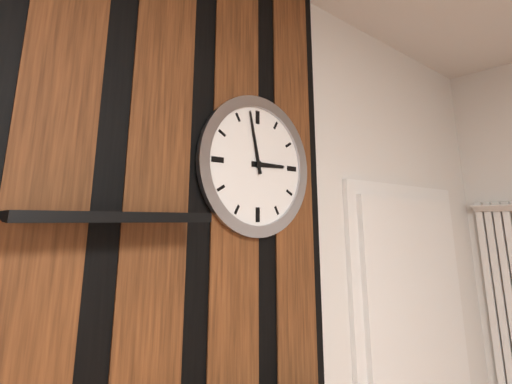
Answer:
2:58
